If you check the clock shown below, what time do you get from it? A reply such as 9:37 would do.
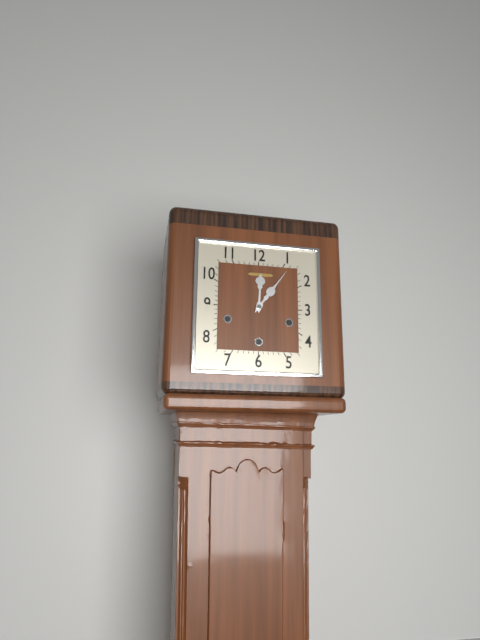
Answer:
12:06
